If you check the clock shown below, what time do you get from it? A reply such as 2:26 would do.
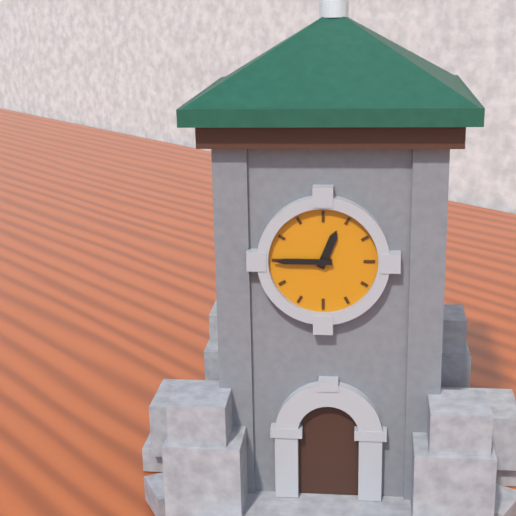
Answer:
12:45
